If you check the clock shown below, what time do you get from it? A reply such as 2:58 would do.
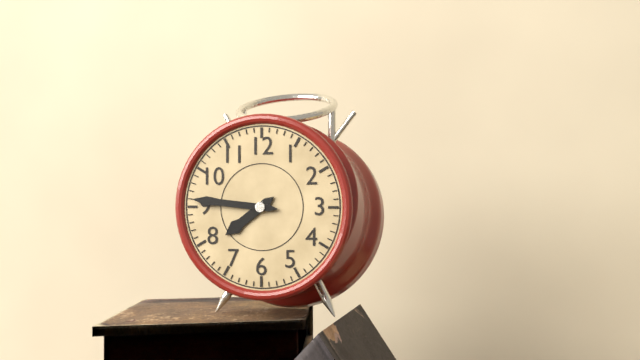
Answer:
7:46
